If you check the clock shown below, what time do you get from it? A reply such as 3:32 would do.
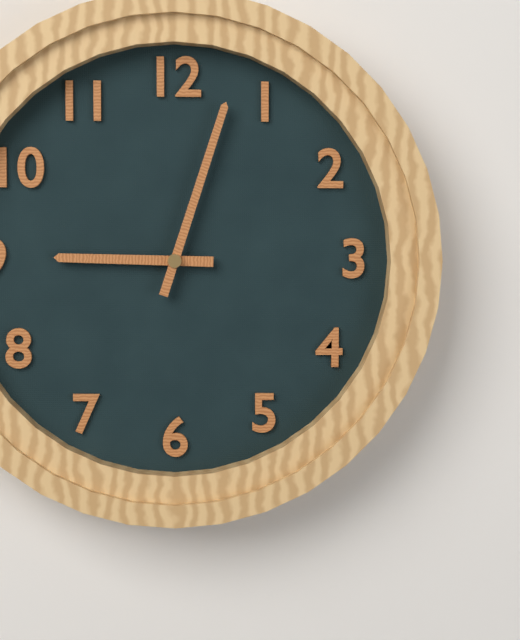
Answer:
9:03
